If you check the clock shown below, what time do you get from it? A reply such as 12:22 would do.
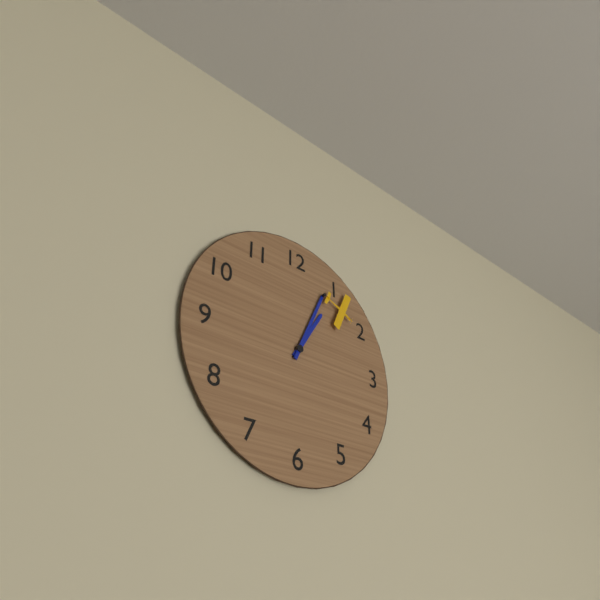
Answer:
1:04
